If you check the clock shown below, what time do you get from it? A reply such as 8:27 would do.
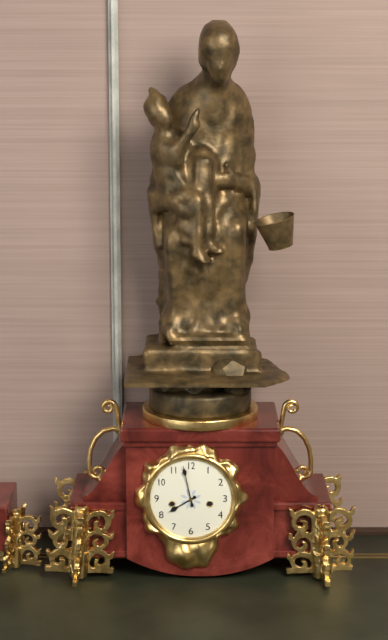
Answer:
7:58
